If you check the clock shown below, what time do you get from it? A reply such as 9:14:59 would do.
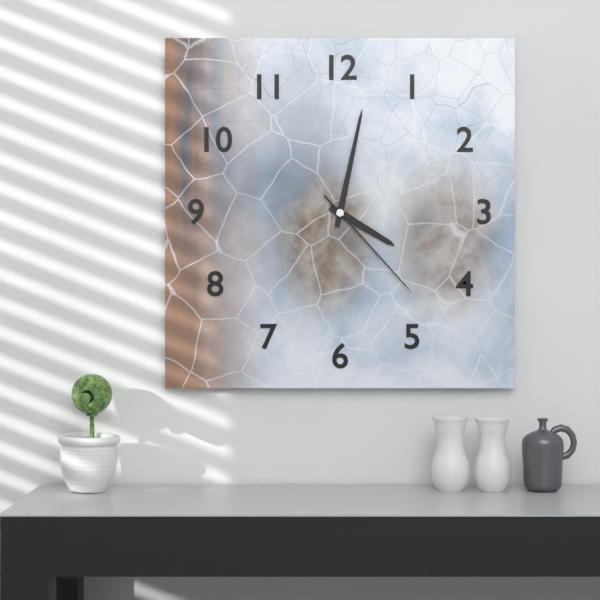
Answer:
4:02:23
